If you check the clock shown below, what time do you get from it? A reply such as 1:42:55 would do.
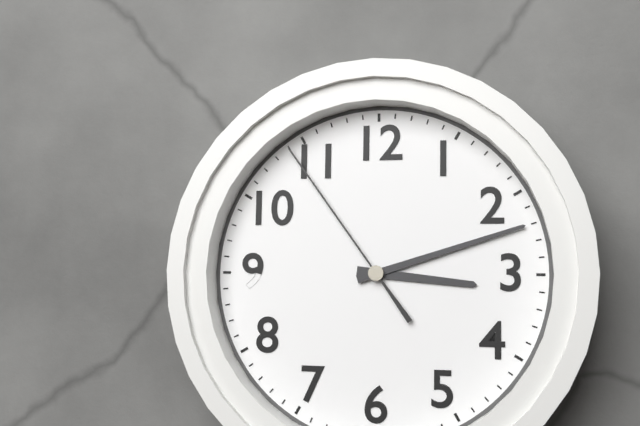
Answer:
3:12:54
